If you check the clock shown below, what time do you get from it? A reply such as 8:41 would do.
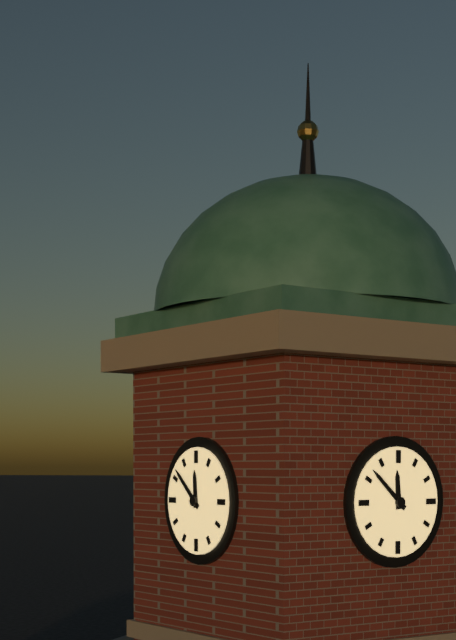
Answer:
11:52
